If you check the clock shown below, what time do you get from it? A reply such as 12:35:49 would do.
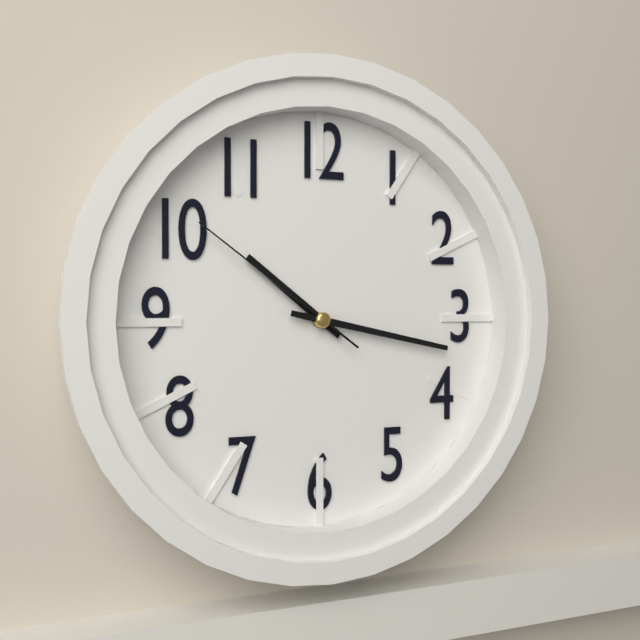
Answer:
10:17:51
